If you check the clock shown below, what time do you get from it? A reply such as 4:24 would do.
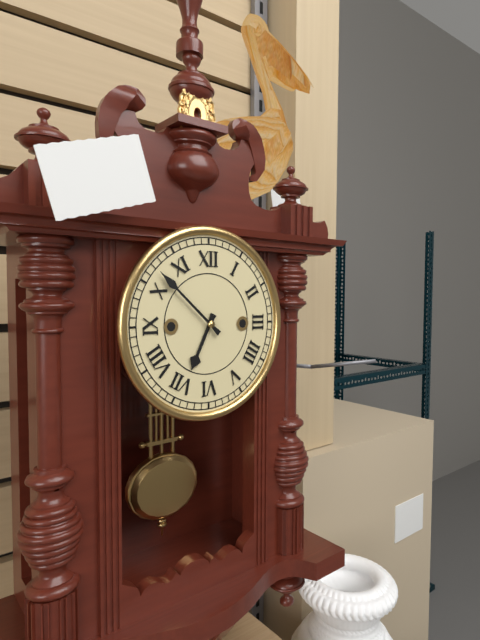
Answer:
6:52
